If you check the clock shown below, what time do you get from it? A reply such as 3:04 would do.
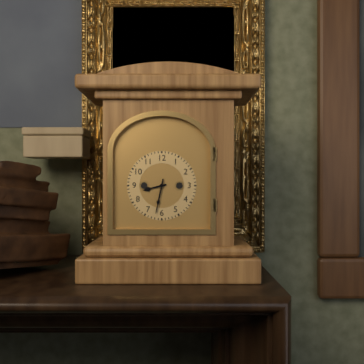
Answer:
8:32
